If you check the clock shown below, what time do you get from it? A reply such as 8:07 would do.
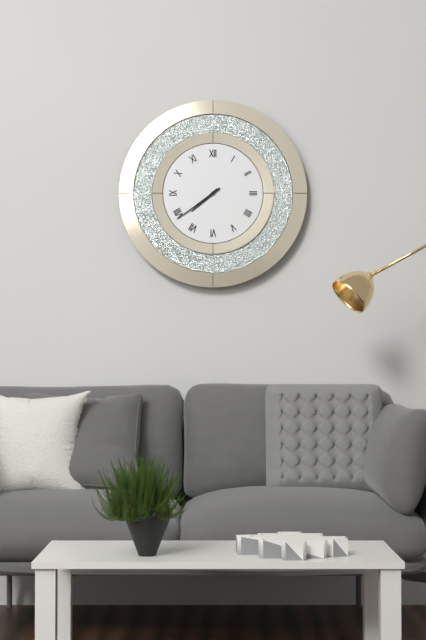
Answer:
7:39
